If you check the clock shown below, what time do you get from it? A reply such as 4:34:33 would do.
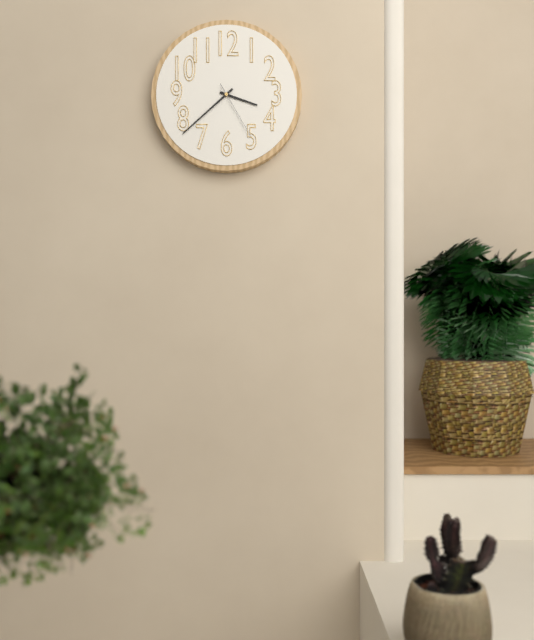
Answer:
3:38:25
